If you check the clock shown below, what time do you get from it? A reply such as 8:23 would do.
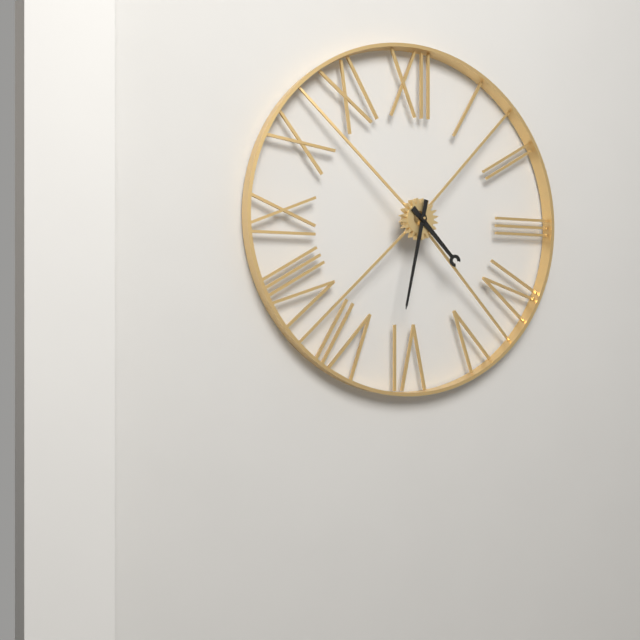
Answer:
4:32
